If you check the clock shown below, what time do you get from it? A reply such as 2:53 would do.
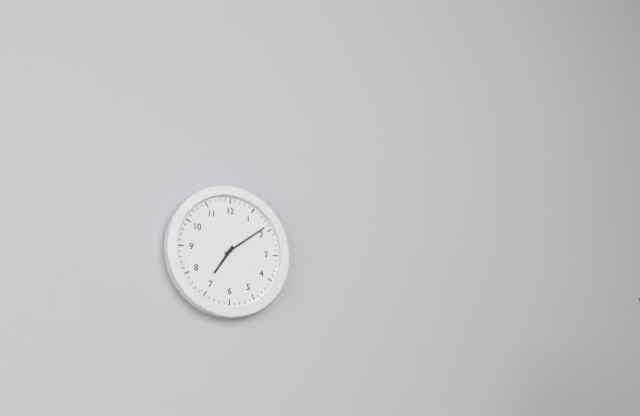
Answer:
7:09
